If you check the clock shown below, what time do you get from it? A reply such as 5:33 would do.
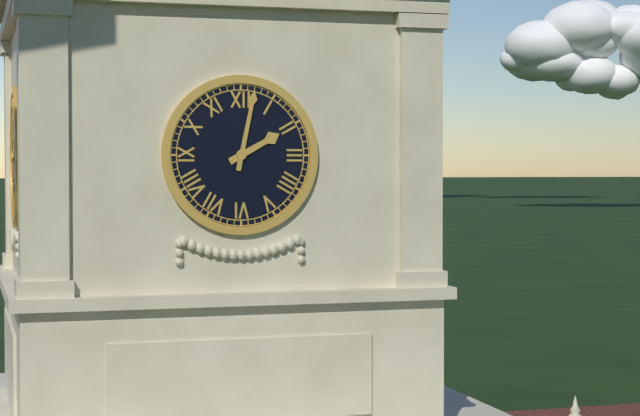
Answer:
2:02
